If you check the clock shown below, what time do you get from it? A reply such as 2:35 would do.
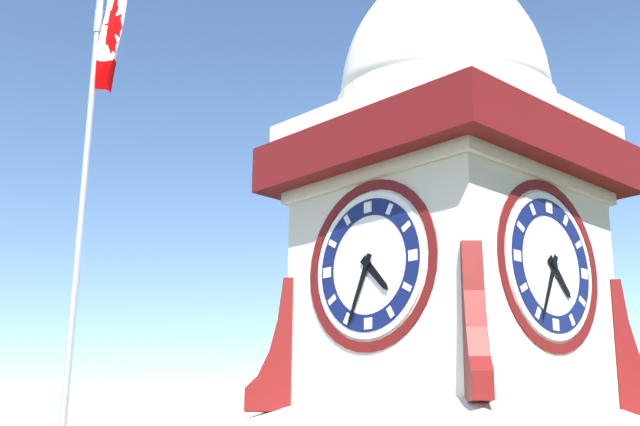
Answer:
4:34
